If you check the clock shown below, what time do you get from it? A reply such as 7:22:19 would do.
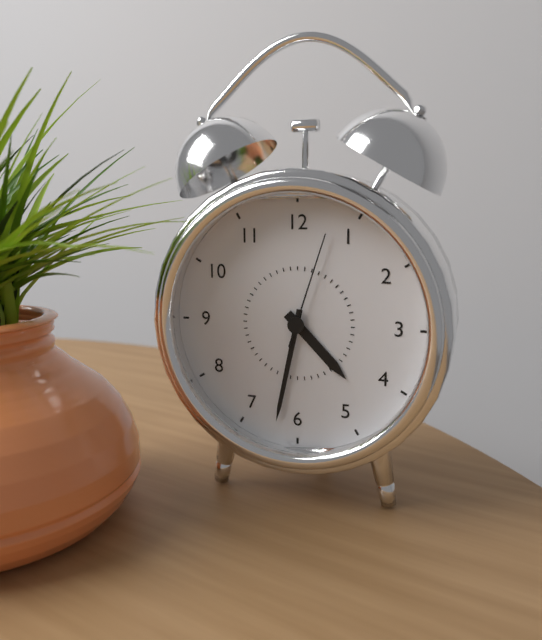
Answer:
4:32:03
